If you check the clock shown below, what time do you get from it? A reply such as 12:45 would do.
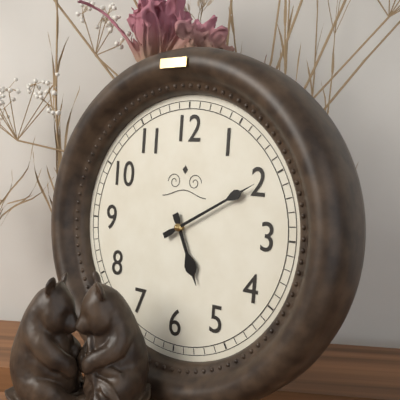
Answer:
5:10
